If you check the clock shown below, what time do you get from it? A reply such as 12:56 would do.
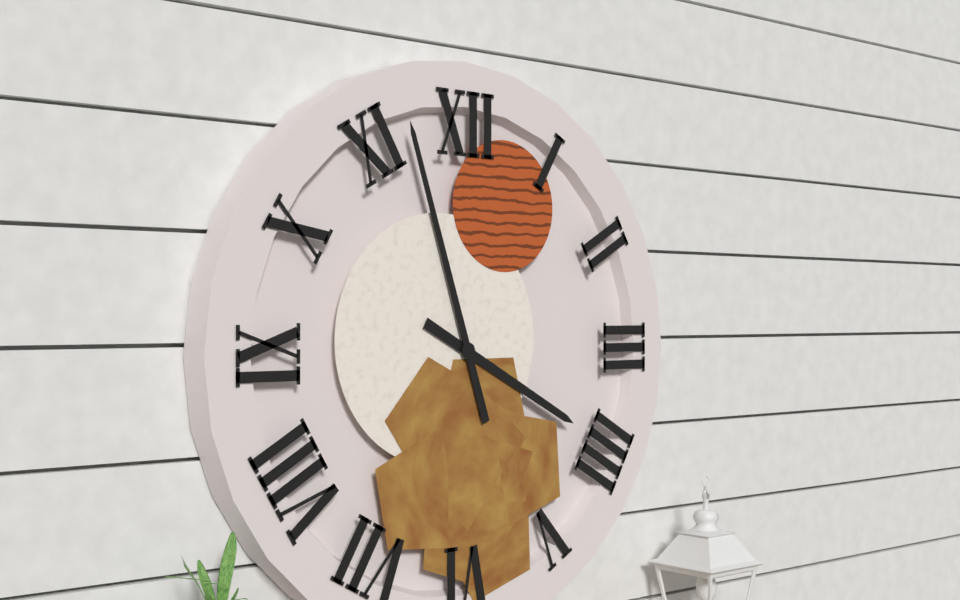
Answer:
3:57
